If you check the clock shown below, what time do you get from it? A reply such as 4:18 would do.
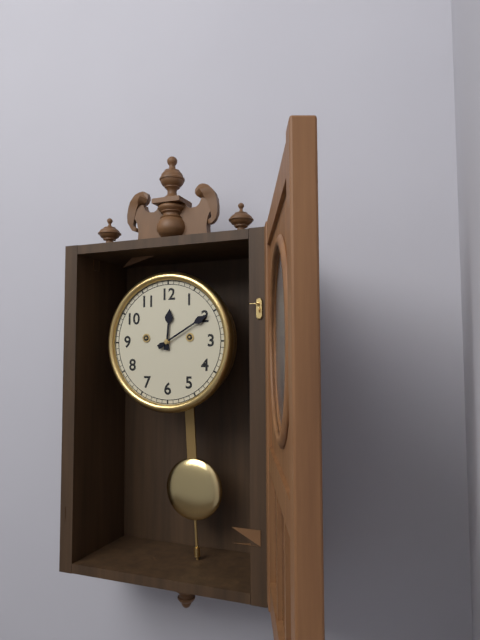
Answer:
12:10
